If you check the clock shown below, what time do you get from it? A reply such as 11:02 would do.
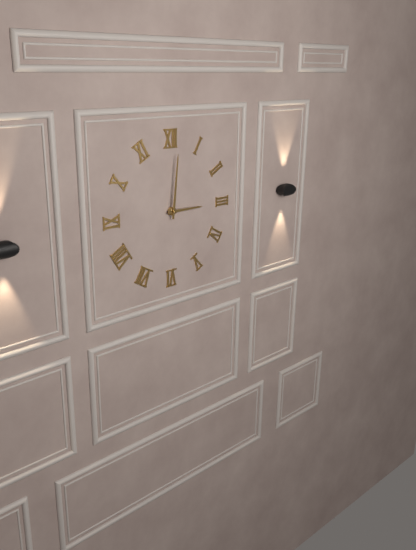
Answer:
3:01
